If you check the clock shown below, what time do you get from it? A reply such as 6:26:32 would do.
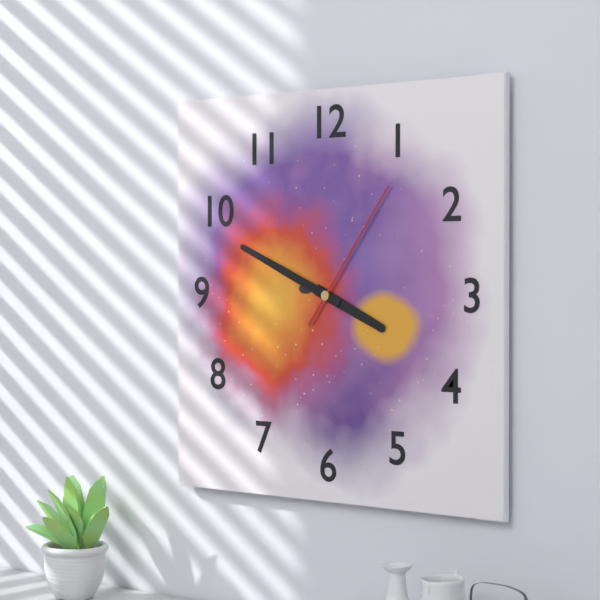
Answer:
3:49:06
